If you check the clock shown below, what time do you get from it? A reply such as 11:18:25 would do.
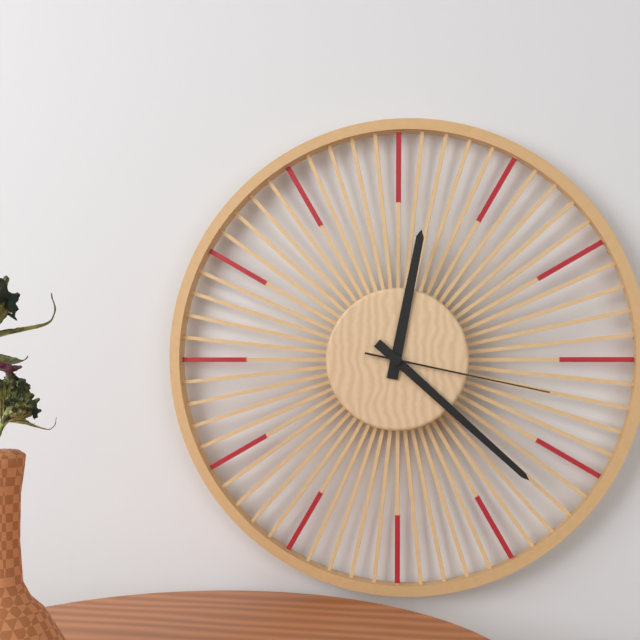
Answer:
12:22:17
